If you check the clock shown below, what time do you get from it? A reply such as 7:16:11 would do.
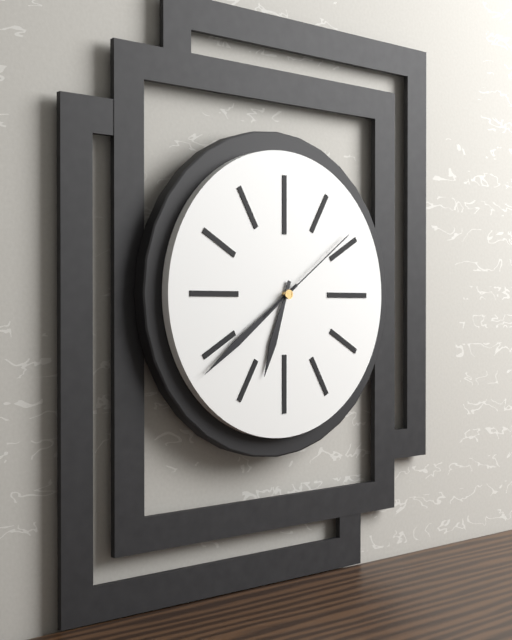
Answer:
6:39:09
